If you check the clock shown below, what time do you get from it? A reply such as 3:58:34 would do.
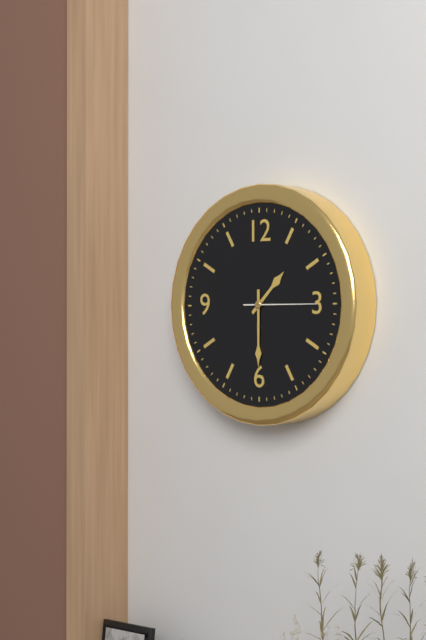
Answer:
1:30:15
